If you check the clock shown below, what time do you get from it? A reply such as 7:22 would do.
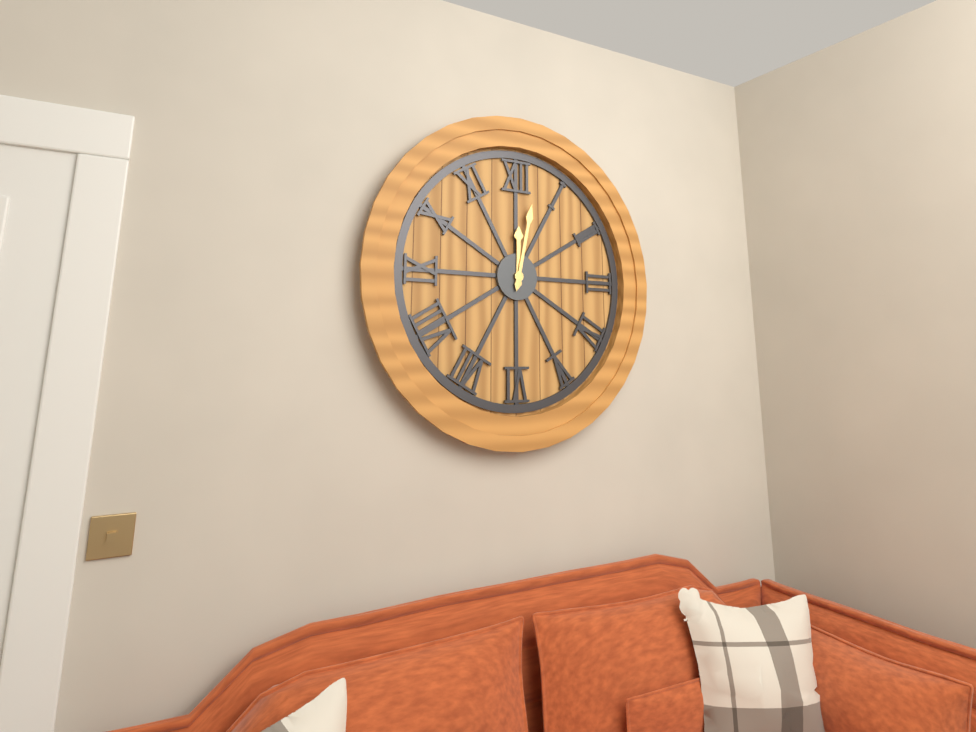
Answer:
12:02
